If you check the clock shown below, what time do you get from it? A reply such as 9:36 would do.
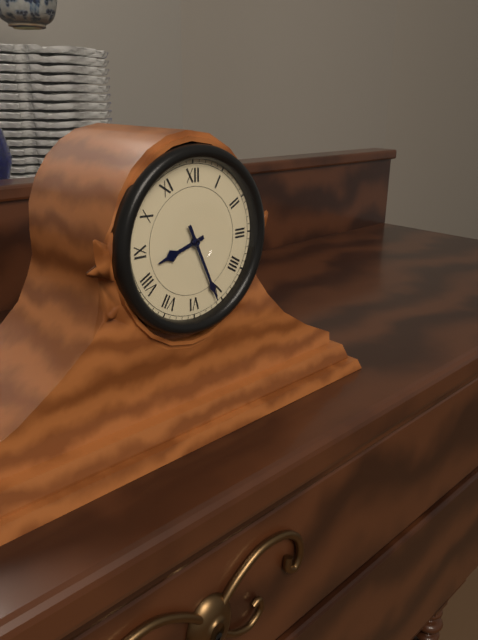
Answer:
8:26
